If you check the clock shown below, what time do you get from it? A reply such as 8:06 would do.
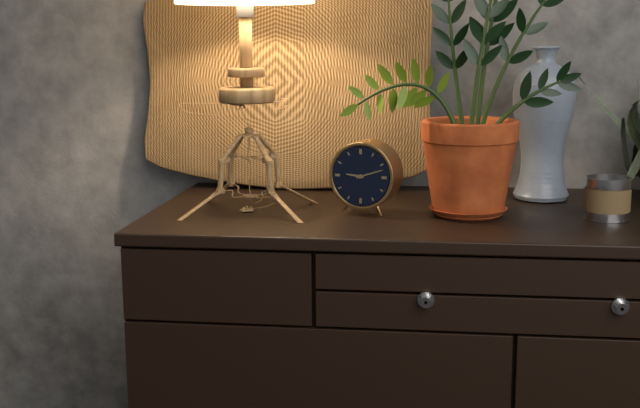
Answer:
9:12
